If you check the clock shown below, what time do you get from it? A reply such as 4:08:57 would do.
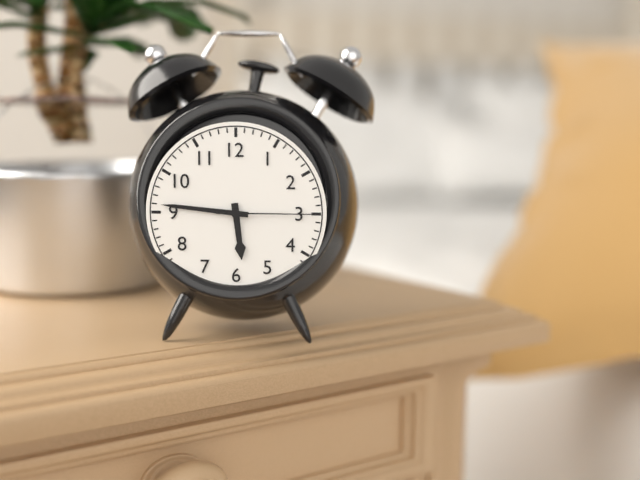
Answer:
5:46:15
